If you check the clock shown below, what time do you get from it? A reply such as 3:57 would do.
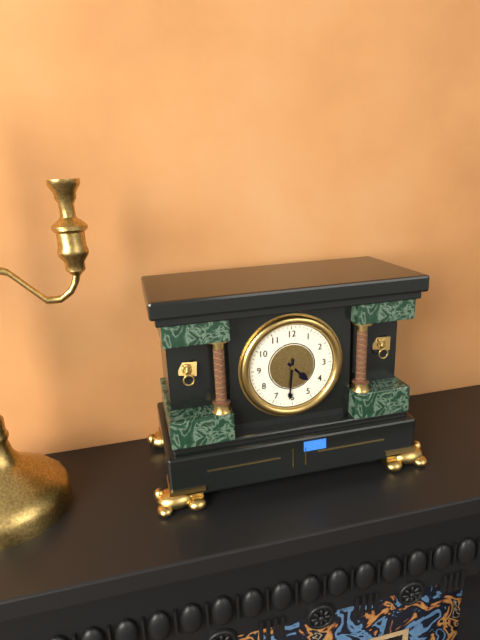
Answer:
4:31
